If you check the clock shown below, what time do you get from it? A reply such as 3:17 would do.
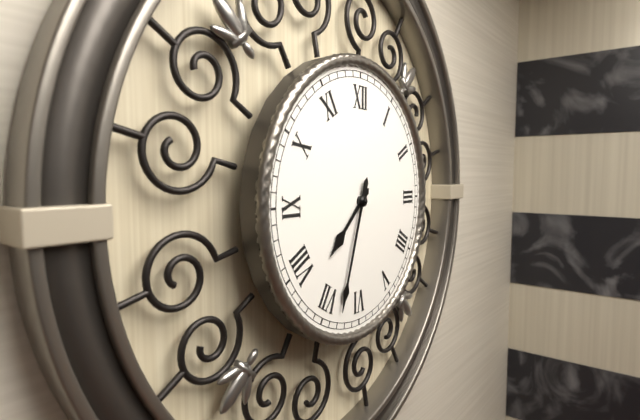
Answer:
7:33
